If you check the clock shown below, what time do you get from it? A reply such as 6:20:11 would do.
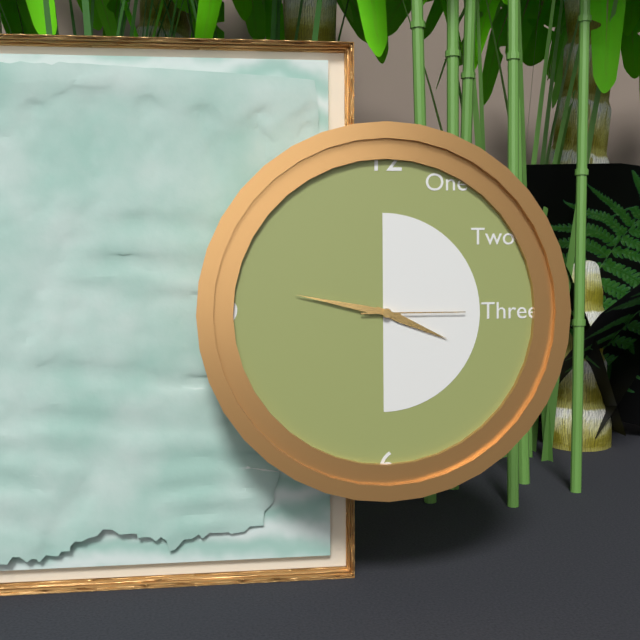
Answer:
3:47:15
